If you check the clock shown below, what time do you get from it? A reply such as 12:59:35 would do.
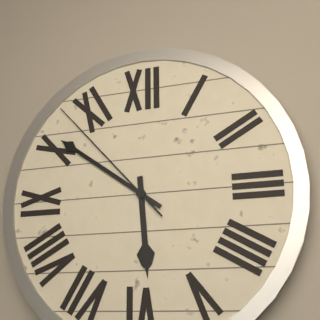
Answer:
5:51:53
